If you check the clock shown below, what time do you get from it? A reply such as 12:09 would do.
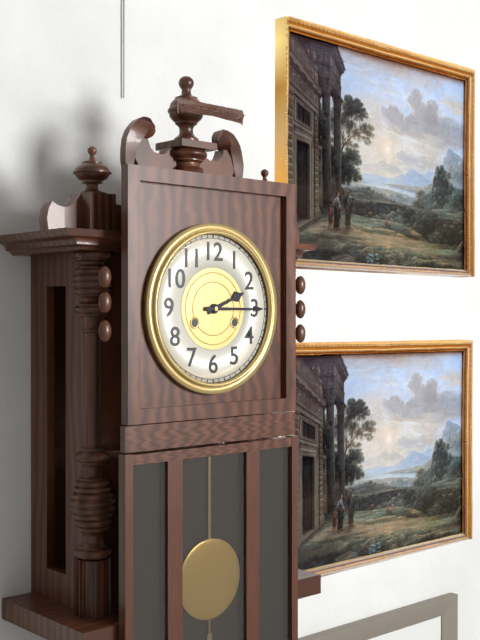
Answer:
2:15
